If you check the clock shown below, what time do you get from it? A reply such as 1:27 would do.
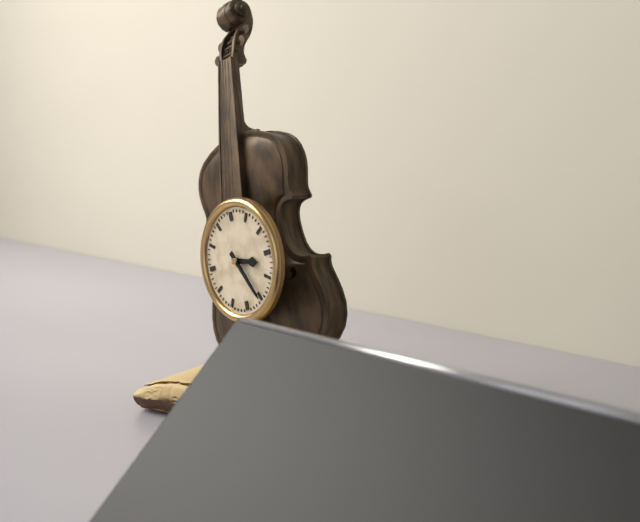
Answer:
3:25
